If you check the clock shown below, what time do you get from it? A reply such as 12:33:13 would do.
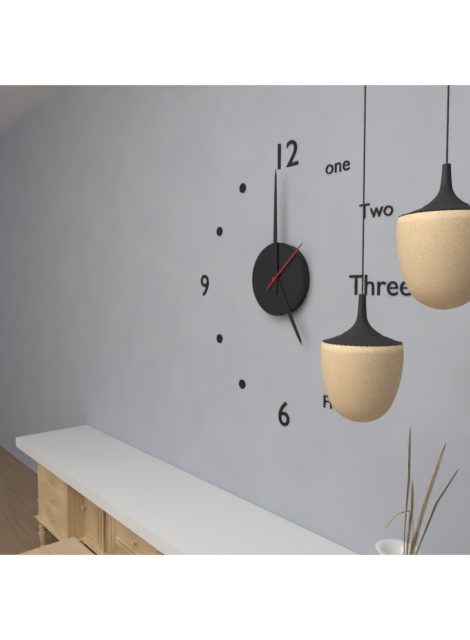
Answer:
5:00:08
